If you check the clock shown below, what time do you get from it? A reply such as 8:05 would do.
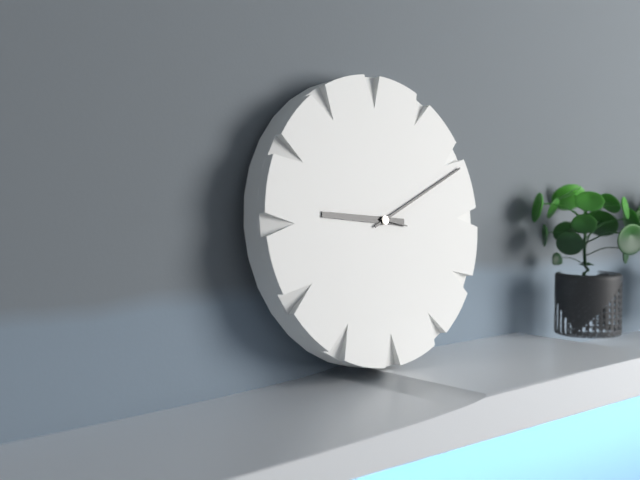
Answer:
9:11
